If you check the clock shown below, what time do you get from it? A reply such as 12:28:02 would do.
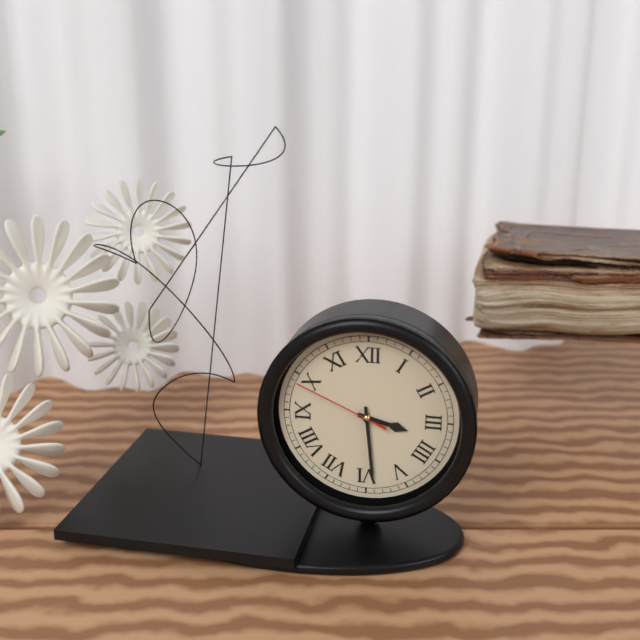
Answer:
3:29:49
